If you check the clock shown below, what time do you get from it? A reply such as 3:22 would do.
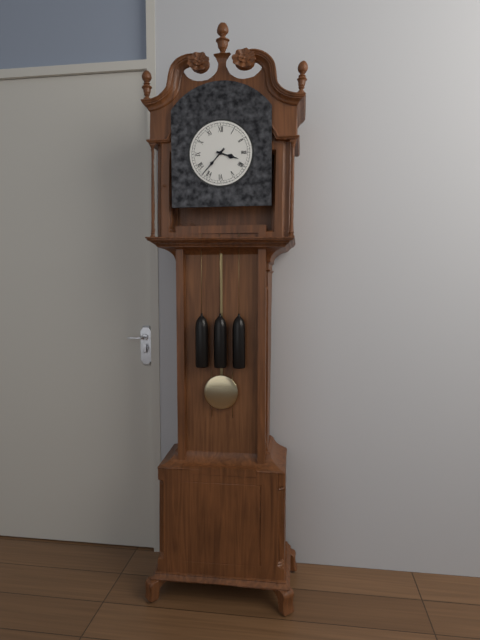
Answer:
3:37
